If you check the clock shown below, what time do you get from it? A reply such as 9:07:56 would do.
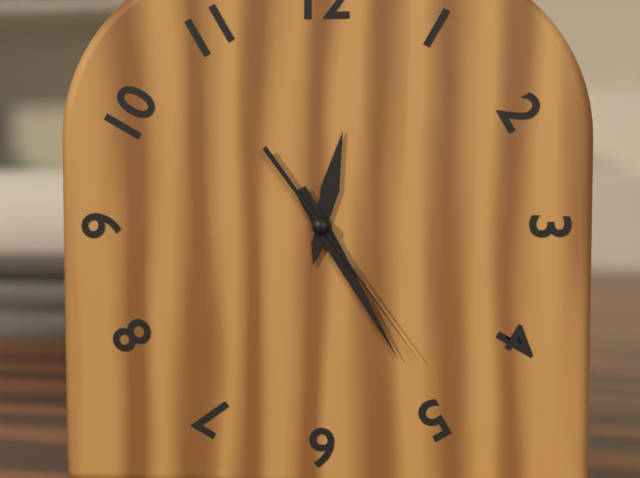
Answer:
12:25:24
